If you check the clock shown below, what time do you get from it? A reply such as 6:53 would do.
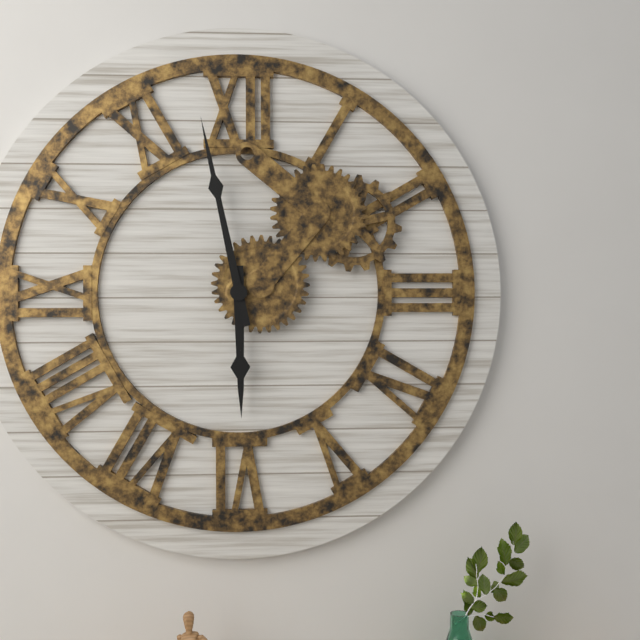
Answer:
5:58
